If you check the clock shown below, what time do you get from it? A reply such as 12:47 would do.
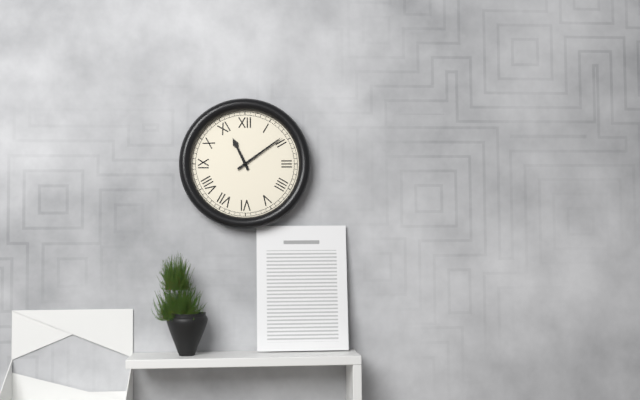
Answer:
11:09
